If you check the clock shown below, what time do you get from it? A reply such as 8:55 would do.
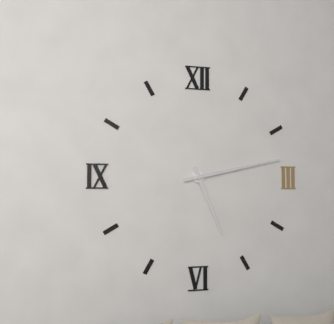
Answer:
5:13
